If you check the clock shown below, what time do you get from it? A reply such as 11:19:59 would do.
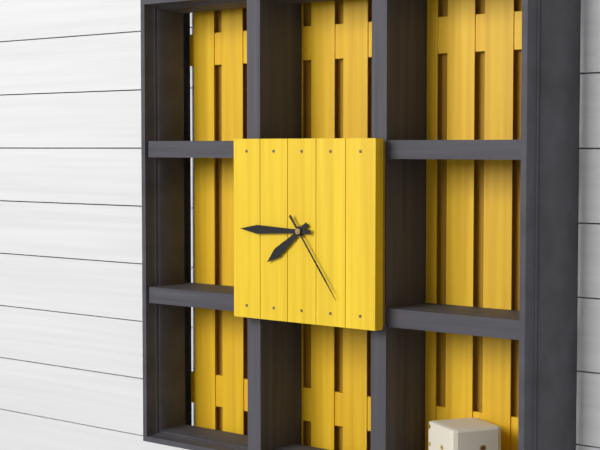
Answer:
7:45:24
